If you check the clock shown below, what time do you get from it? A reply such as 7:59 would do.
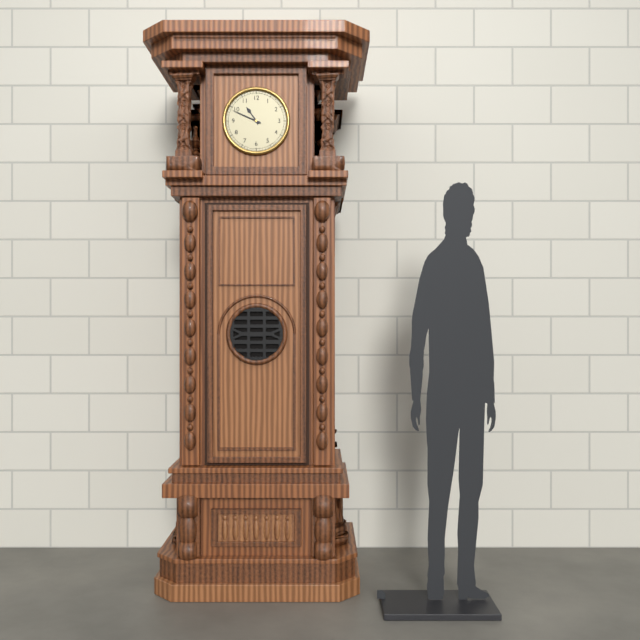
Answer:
10:49
